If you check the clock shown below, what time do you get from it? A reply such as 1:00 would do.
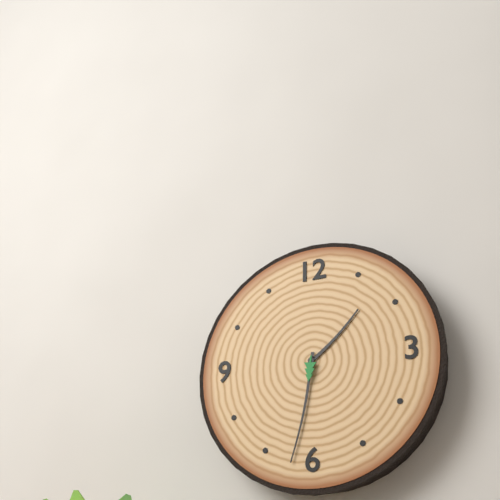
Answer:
1:32
